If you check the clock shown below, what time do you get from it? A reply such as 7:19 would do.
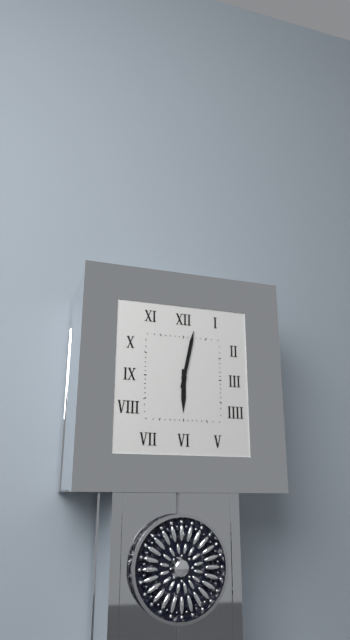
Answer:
6:02
